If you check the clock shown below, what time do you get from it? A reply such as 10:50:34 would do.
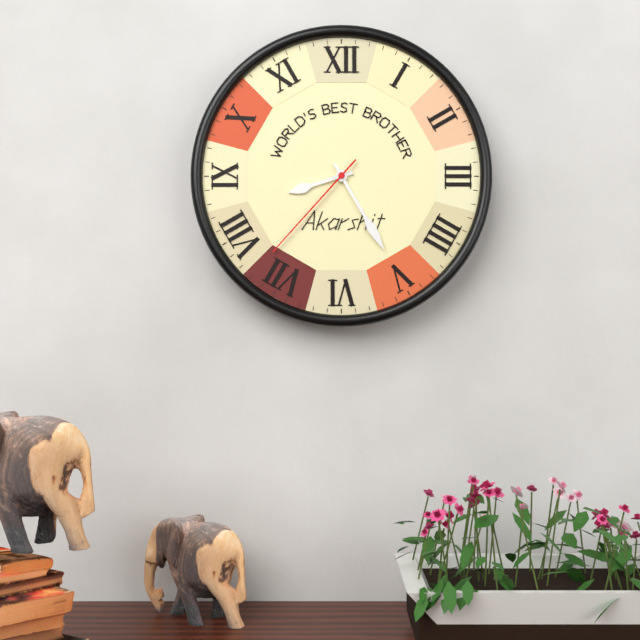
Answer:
8:25:37
